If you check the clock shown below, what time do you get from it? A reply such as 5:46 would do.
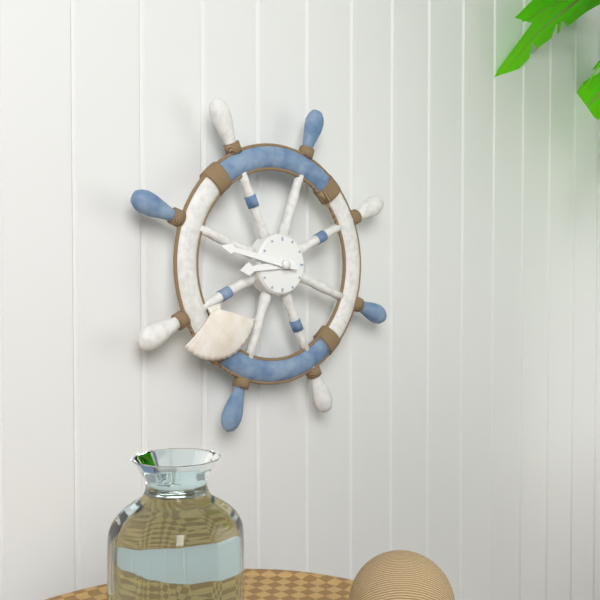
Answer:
8:47
